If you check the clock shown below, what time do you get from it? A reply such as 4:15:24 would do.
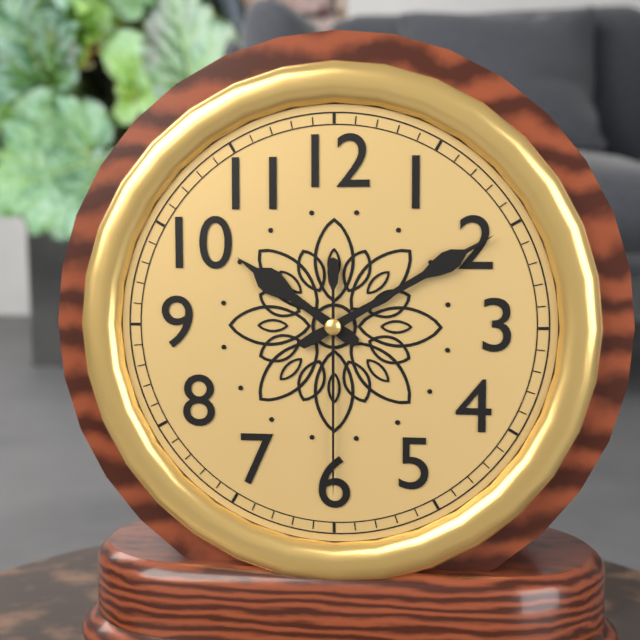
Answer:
10:10:30
